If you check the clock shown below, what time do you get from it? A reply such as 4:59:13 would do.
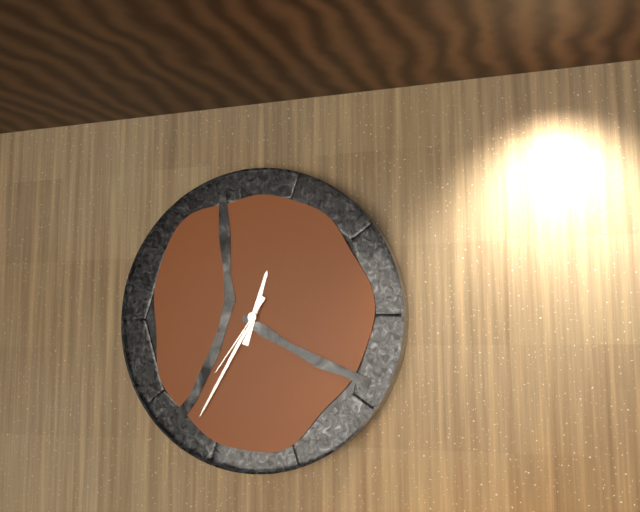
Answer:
12:35:36
